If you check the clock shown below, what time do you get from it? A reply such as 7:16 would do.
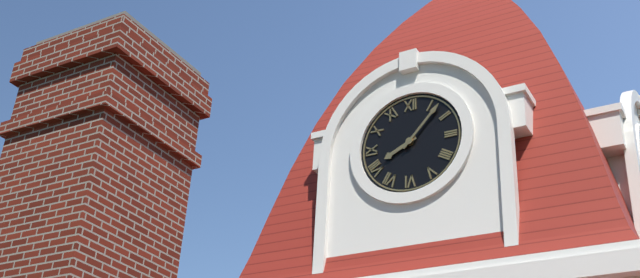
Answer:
8:07
